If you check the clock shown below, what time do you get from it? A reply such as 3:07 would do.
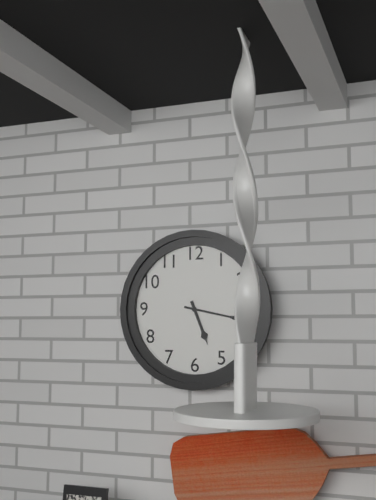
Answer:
5:17
